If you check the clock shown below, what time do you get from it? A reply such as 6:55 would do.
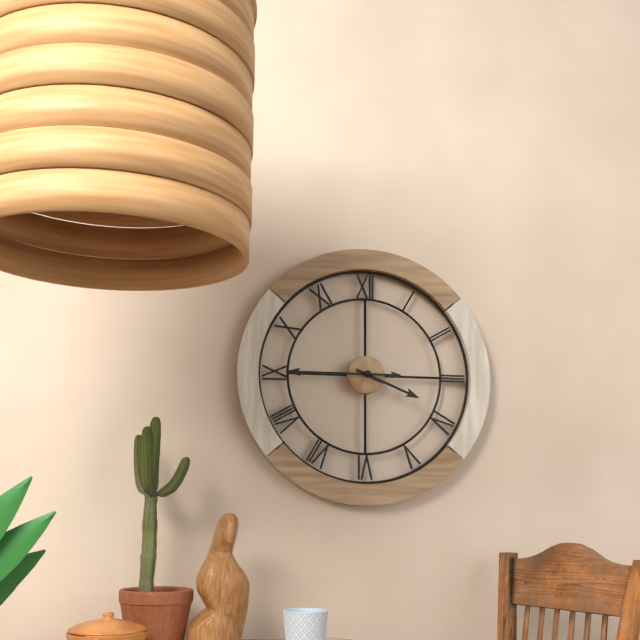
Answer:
3:45
